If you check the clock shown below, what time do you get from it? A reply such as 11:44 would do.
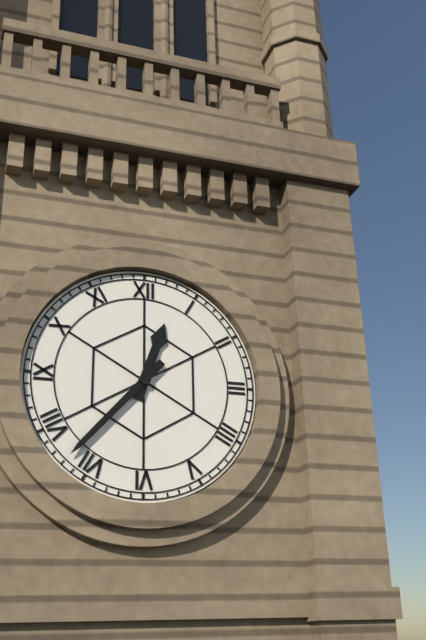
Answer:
12:37
